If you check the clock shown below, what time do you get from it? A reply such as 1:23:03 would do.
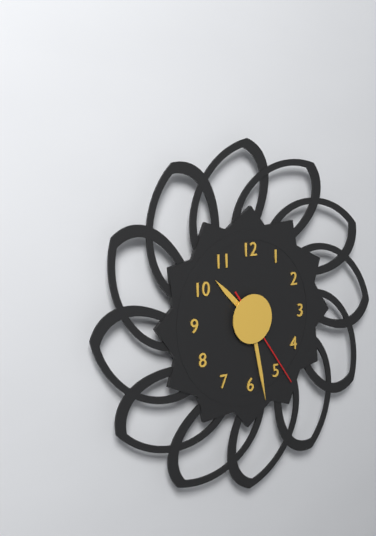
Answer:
10:28:24
